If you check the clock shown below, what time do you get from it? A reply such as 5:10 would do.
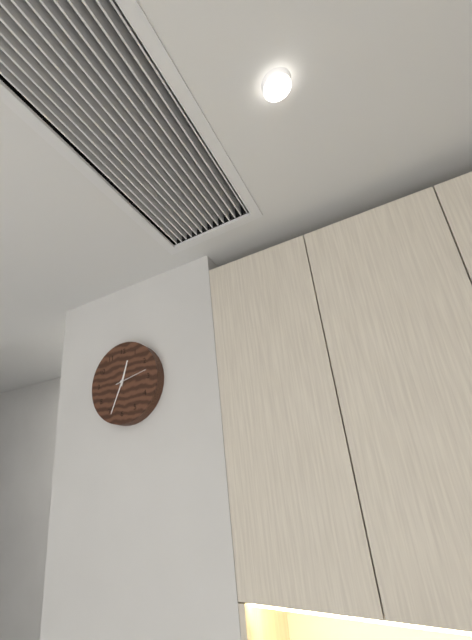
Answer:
12:34
